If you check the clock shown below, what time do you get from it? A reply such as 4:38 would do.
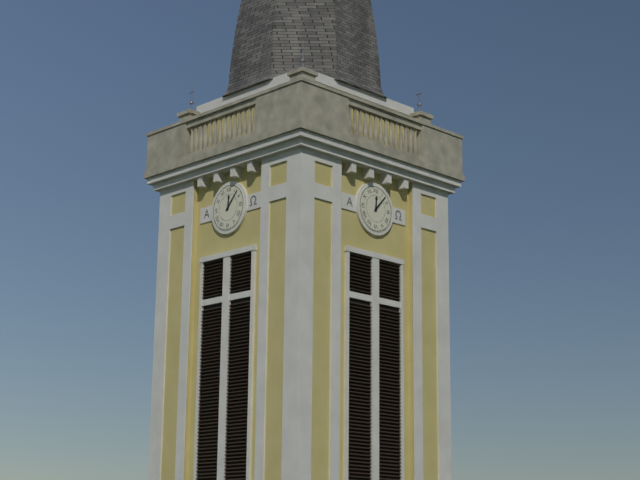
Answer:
12:07
